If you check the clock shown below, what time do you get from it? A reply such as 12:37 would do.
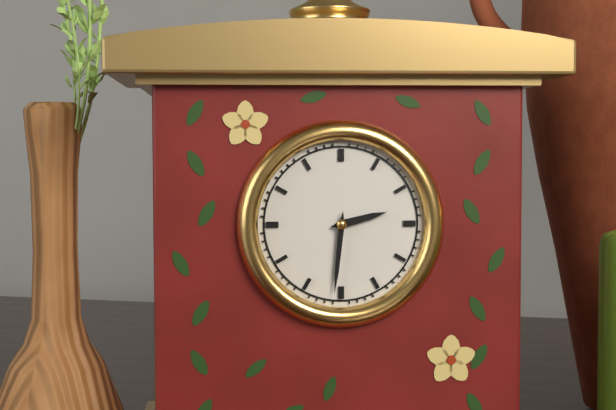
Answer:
2:31
